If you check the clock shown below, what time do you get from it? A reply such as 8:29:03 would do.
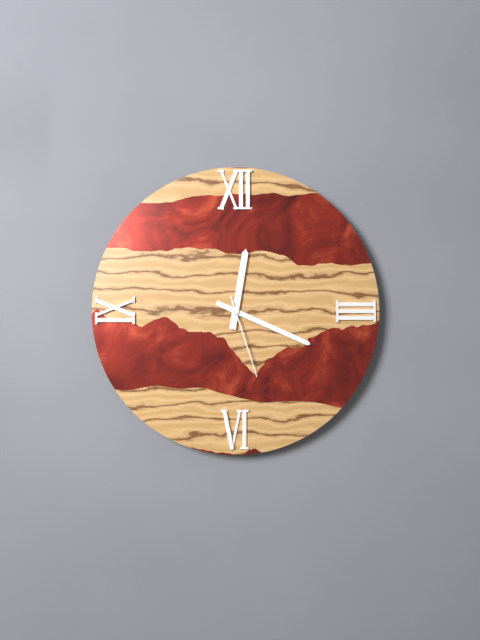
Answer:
12:19:27
